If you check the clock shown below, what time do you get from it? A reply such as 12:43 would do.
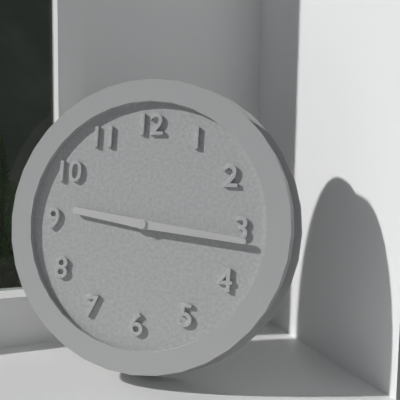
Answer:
9:16
